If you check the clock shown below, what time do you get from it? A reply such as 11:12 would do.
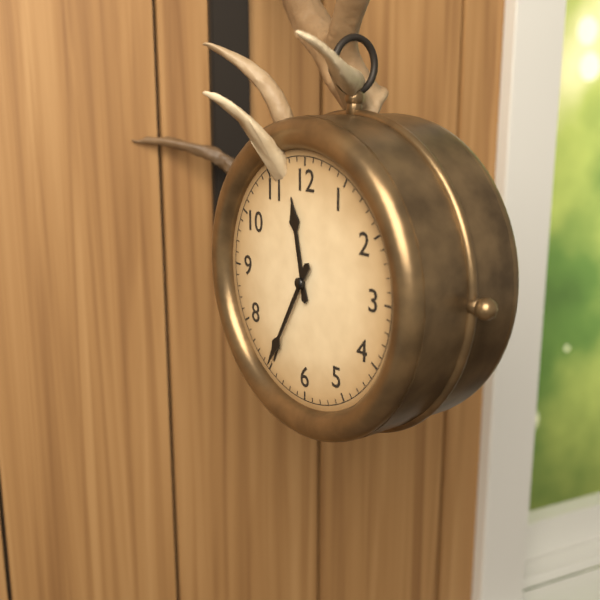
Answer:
11:35
